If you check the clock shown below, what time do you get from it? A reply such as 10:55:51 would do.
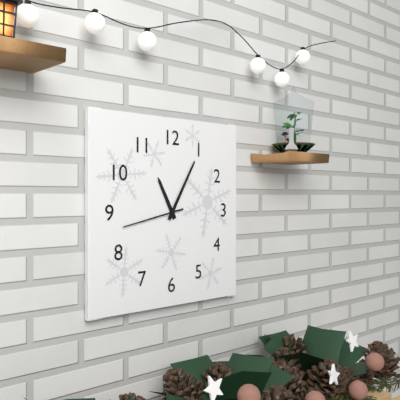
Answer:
11:05:43
